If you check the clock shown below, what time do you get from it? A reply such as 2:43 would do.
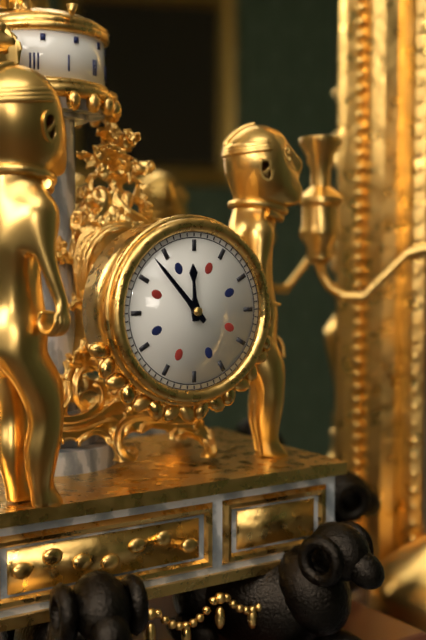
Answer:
11:53
